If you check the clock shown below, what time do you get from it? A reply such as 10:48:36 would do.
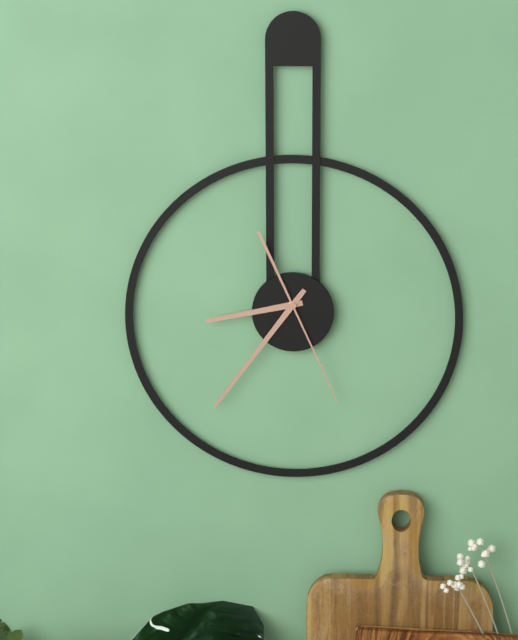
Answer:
8:36:26
